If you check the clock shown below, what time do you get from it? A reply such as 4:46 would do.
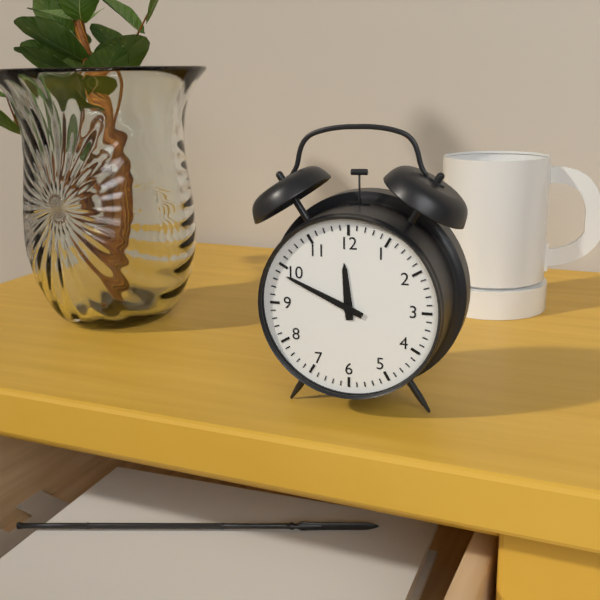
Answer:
11:49
